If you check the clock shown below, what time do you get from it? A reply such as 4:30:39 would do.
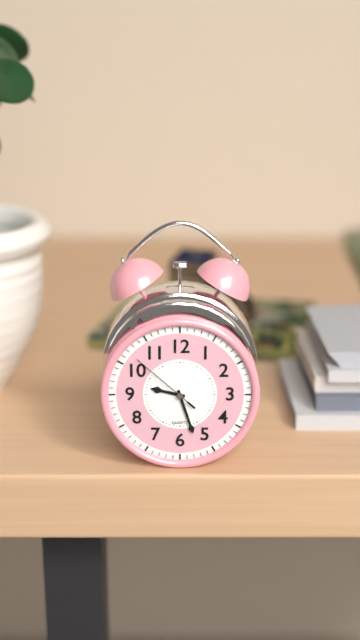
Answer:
9:27:52
